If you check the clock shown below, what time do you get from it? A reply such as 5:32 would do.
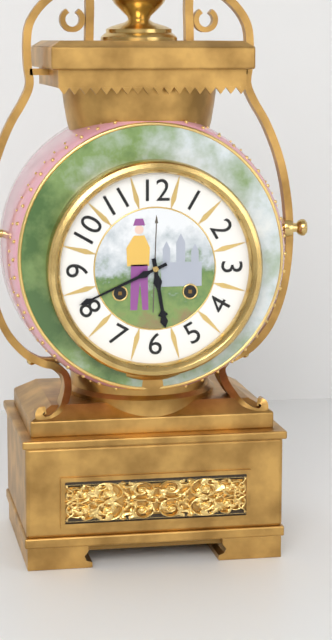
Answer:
5:41
